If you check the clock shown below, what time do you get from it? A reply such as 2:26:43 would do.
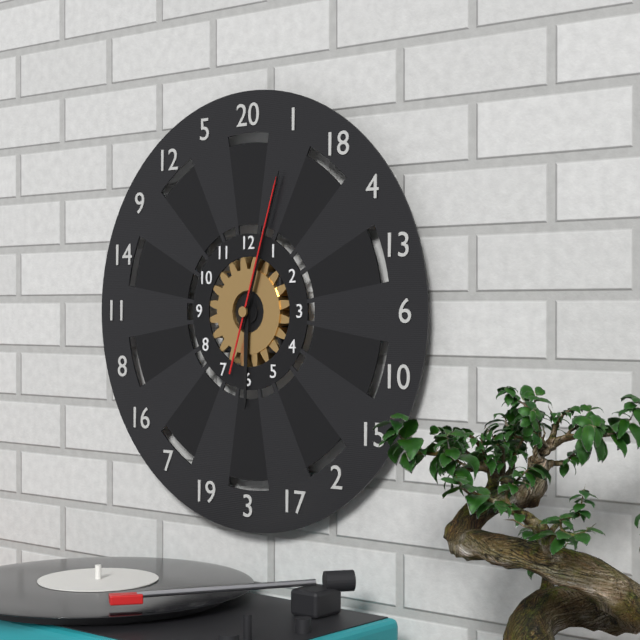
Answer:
6:03:03
